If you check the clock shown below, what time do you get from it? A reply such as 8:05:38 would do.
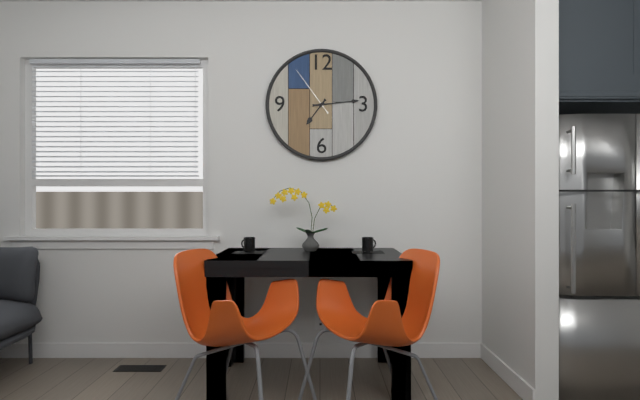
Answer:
7:14:54
